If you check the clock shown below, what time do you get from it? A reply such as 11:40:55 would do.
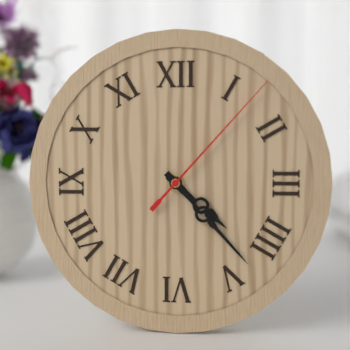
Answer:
4:23:07
